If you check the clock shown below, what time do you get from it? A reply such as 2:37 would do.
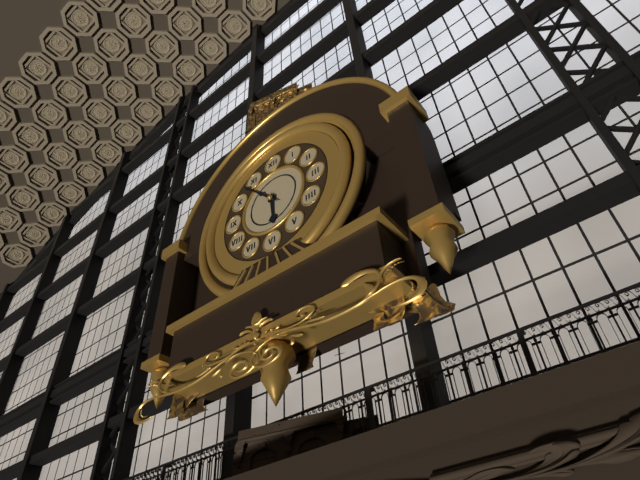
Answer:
5:53
